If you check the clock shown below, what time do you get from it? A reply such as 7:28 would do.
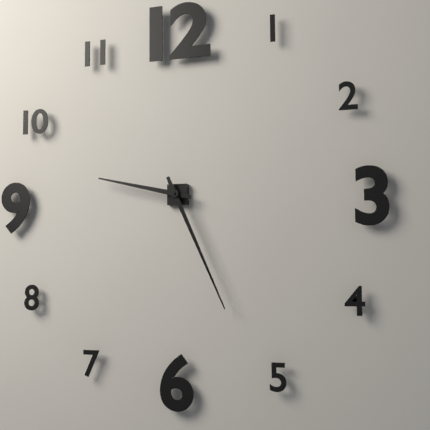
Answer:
9:26
